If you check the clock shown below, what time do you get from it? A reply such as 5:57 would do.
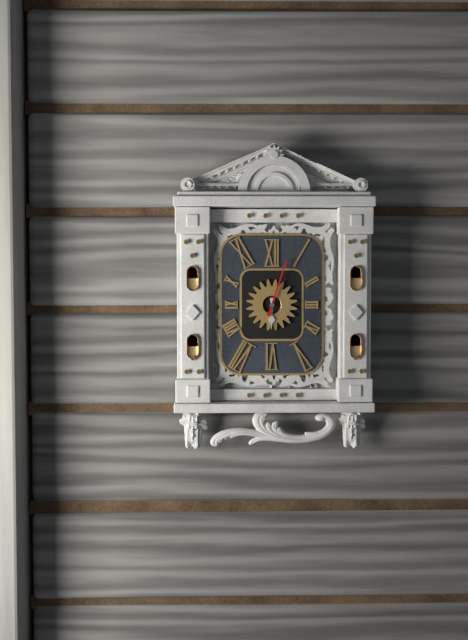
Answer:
6:03
